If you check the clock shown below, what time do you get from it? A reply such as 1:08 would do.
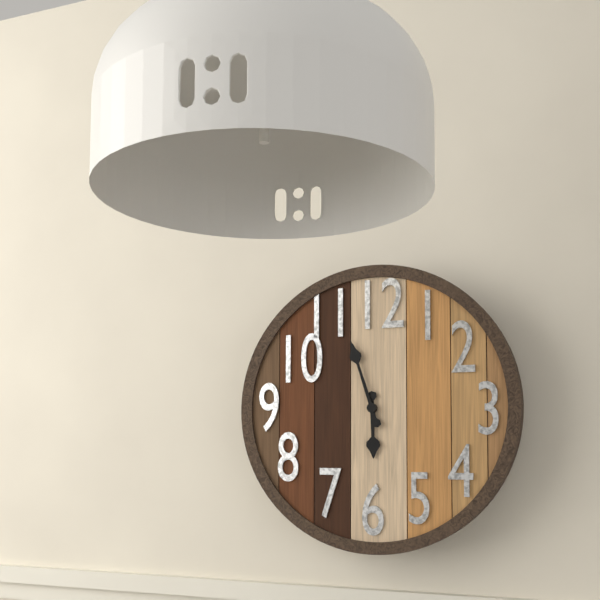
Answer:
5:57
